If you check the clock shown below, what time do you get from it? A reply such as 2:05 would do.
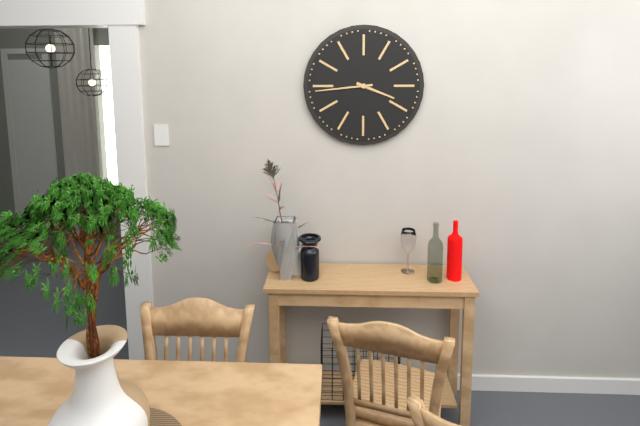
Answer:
3:44
